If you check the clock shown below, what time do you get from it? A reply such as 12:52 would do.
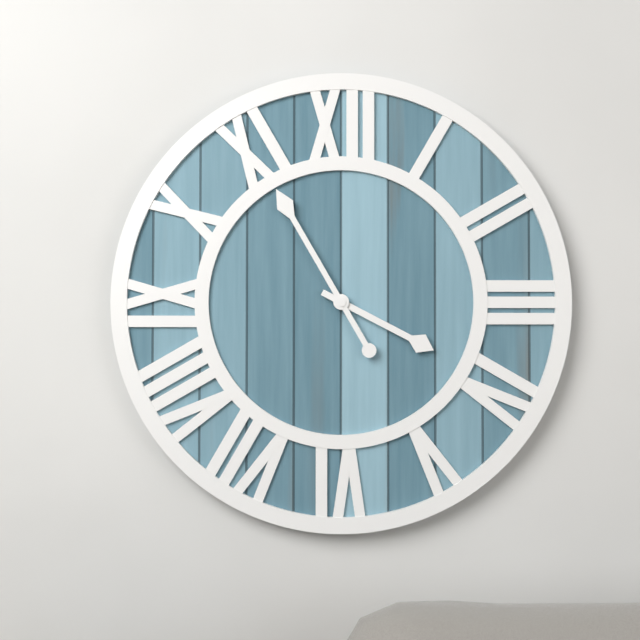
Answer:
3:55
